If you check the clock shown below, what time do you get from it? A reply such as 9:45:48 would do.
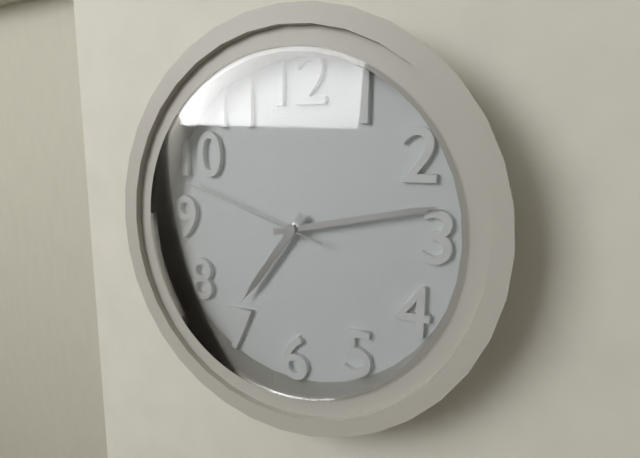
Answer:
7:13:48
